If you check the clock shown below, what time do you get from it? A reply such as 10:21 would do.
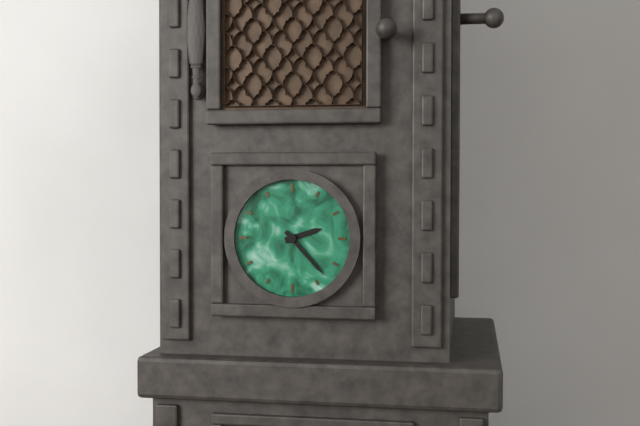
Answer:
2:23
